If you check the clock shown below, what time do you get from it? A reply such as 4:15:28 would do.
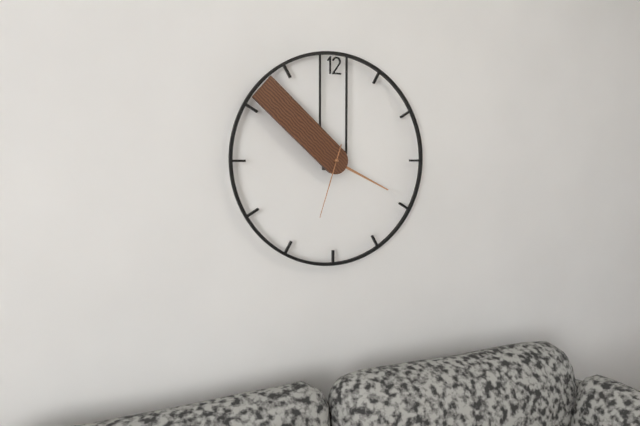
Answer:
3:52:33
